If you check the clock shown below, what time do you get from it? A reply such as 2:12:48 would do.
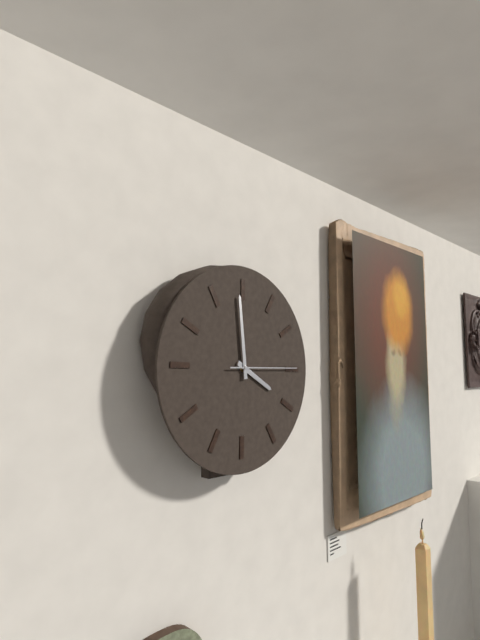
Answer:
3:59:15
